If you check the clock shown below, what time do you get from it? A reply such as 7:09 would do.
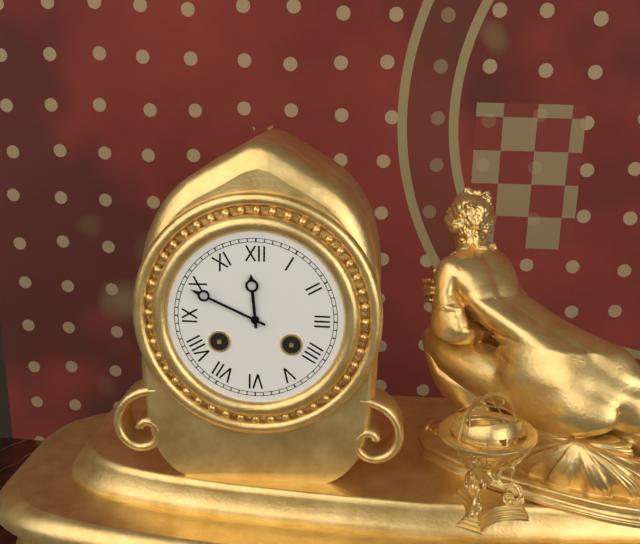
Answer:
11:49
